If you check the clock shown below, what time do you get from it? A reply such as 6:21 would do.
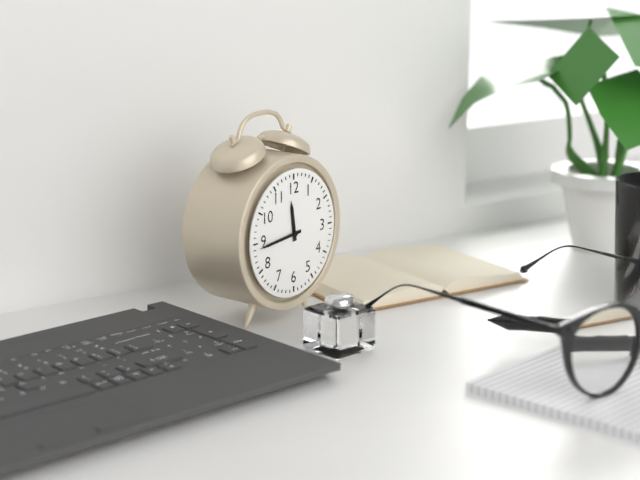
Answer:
11:44
